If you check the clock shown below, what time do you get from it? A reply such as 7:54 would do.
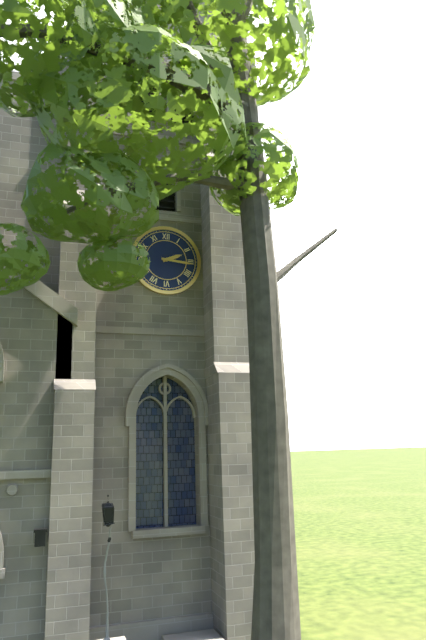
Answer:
2:16
